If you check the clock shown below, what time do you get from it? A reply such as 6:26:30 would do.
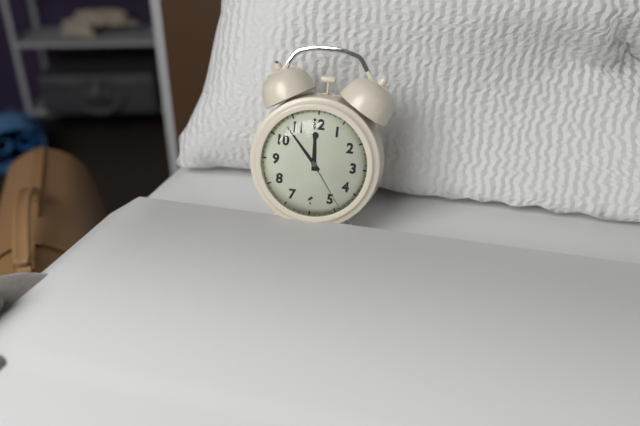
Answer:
11:53:24
